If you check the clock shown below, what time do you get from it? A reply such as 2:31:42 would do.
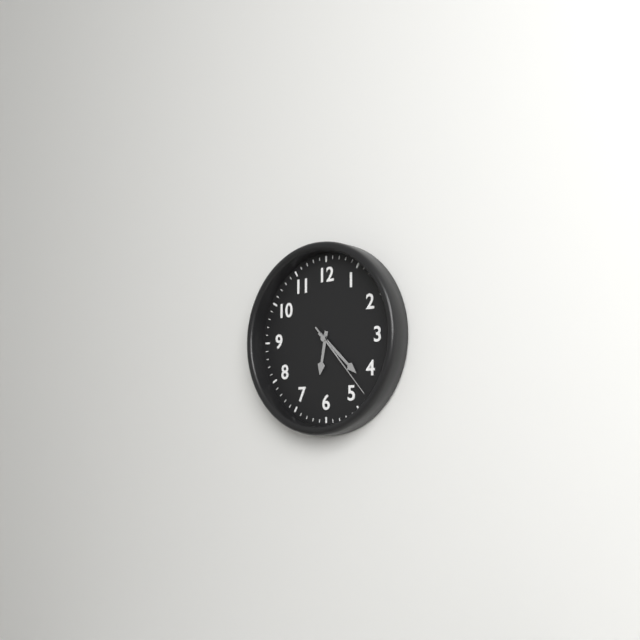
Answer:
6:22:23
